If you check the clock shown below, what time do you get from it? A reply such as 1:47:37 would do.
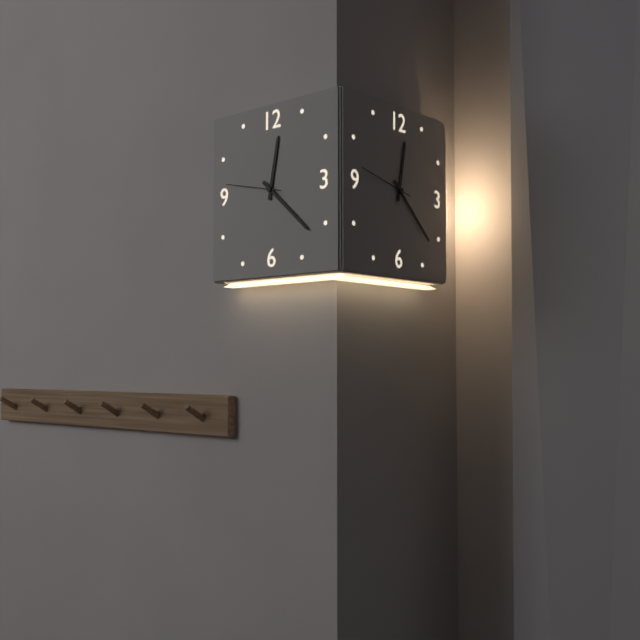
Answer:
12:22:47
